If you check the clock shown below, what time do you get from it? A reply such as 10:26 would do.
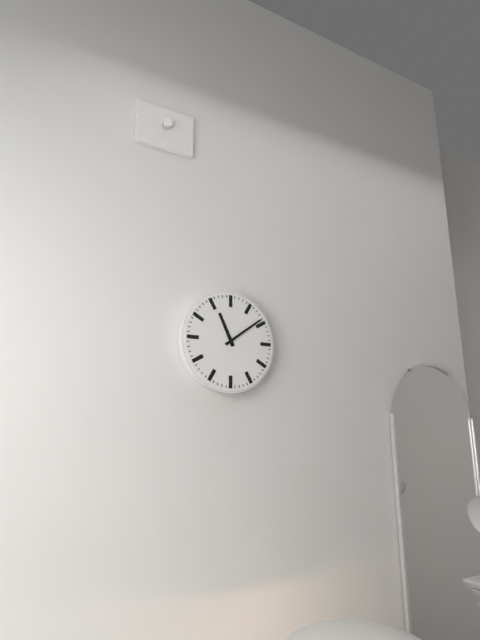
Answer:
11:09
